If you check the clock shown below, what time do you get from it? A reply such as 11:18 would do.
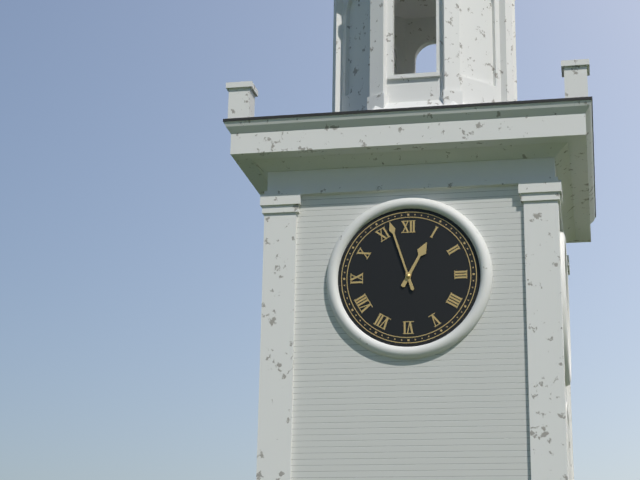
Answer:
12:57
